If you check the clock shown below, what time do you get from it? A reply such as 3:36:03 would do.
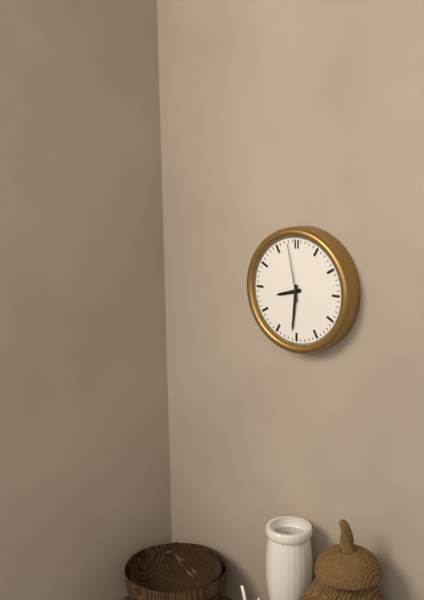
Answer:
8:31:58
